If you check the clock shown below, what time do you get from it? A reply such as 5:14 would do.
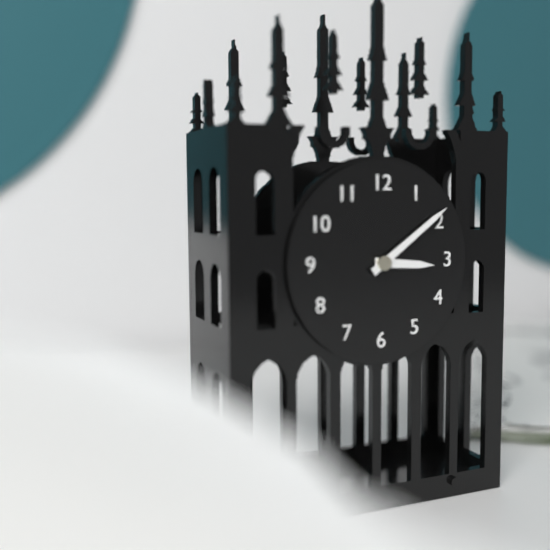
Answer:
3:09
